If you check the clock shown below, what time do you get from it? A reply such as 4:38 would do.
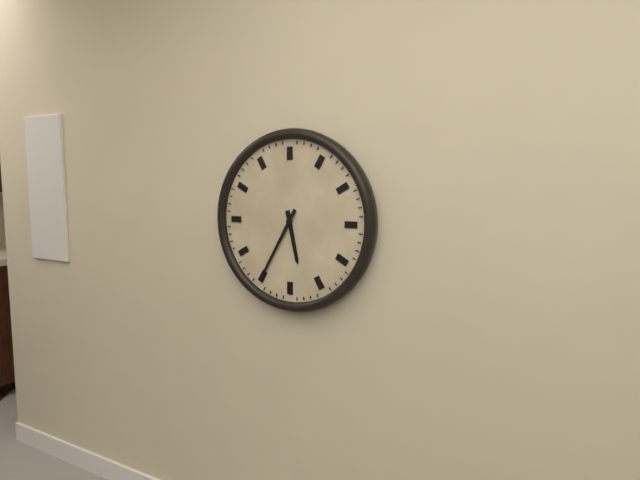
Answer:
5:35
